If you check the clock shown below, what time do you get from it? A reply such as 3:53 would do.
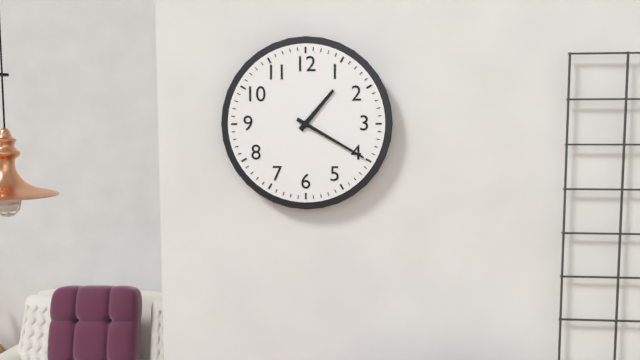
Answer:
1:20
